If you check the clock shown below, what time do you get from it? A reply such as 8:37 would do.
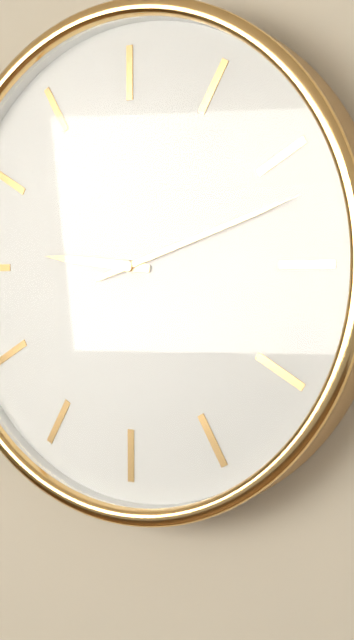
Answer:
9:12
